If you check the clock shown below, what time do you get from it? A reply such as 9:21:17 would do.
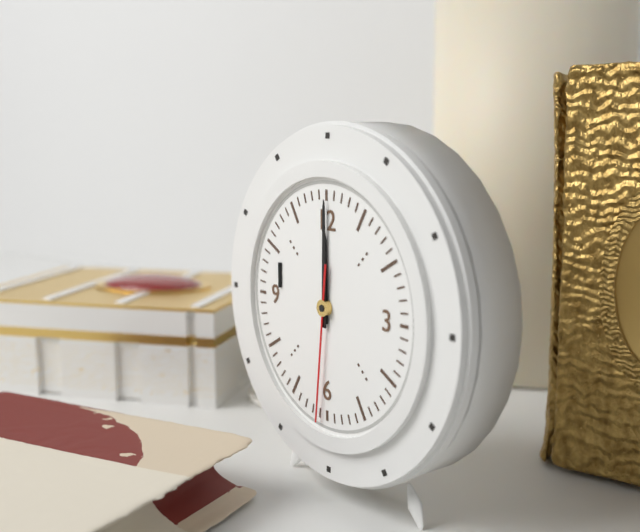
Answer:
12:00:31
